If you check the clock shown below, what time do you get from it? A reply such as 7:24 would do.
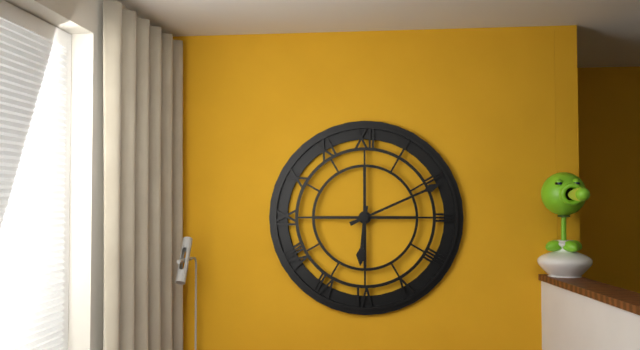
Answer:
6:11
